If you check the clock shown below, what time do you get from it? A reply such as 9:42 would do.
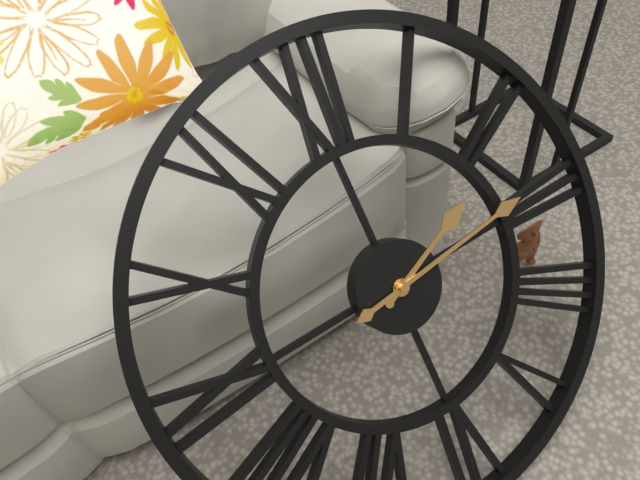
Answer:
2:14
